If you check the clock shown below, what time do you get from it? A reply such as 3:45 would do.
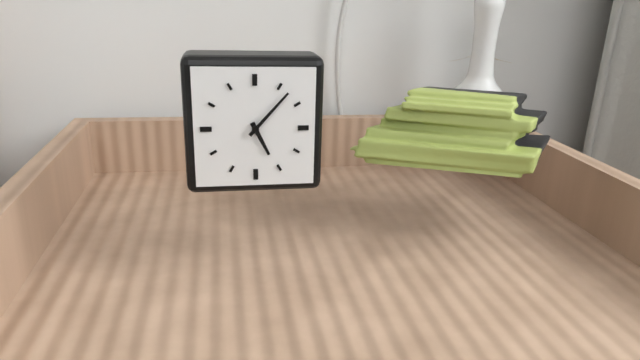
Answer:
5:07
